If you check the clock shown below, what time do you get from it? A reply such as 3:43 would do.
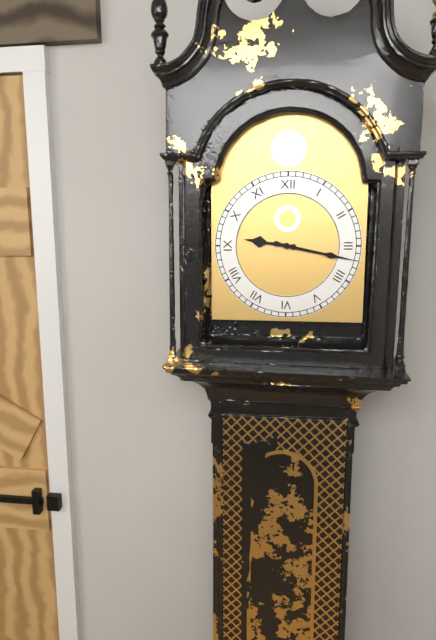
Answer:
9:17
